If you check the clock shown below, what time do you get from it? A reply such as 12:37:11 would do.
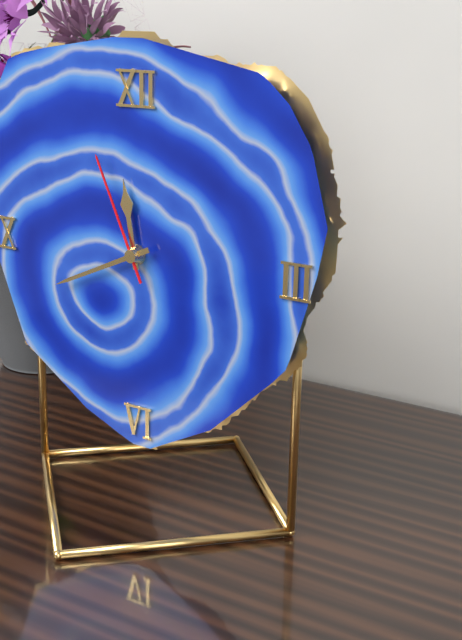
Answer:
11:41:56
